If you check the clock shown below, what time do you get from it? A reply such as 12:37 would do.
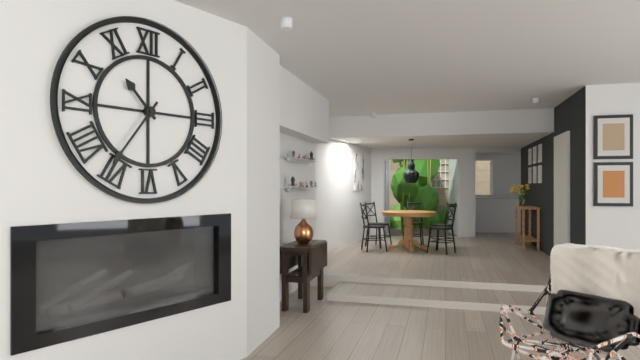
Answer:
10:36
